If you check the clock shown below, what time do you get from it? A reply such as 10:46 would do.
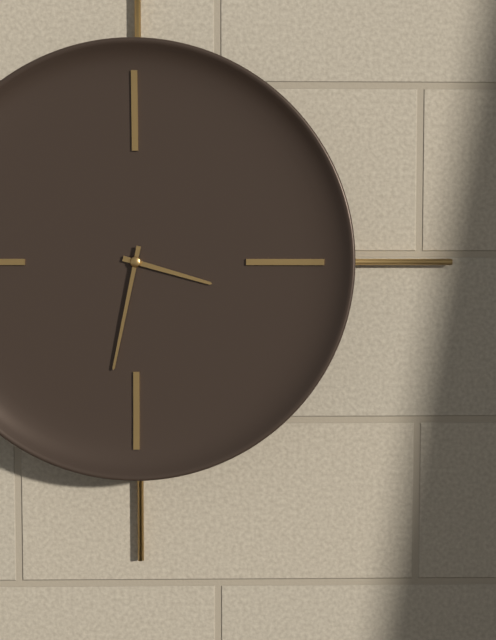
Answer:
3:32
